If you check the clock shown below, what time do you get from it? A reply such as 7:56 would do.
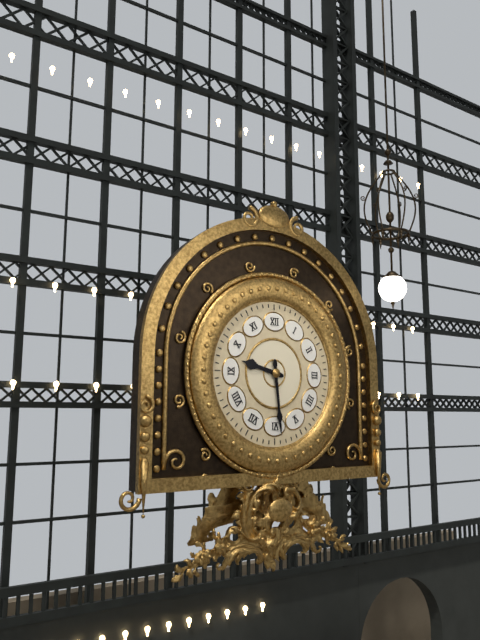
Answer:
9:29
